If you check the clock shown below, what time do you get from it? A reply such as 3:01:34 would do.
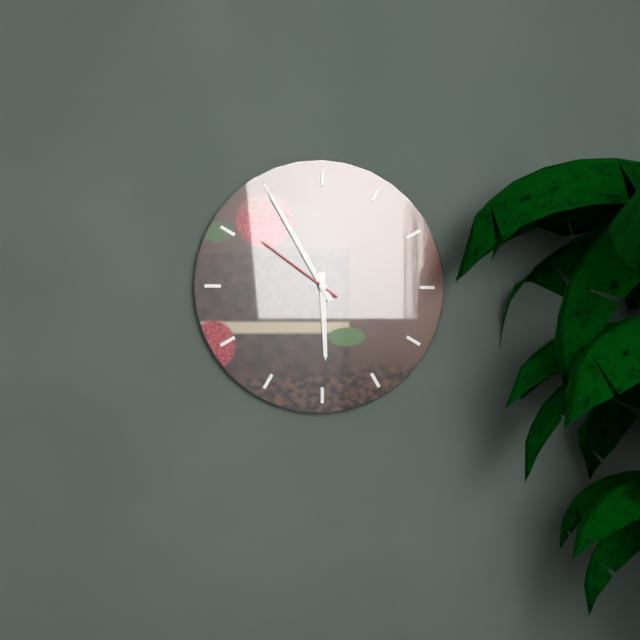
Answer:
5:55:51
